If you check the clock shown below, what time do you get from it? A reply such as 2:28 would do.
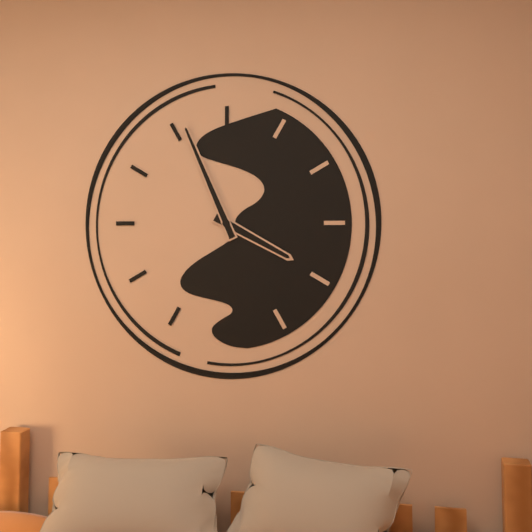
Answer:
3:56
